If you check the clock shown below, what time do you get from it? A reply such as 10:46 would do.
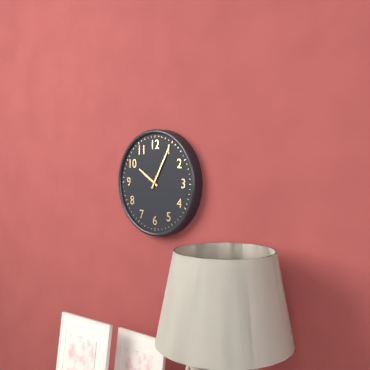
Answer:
10:05
